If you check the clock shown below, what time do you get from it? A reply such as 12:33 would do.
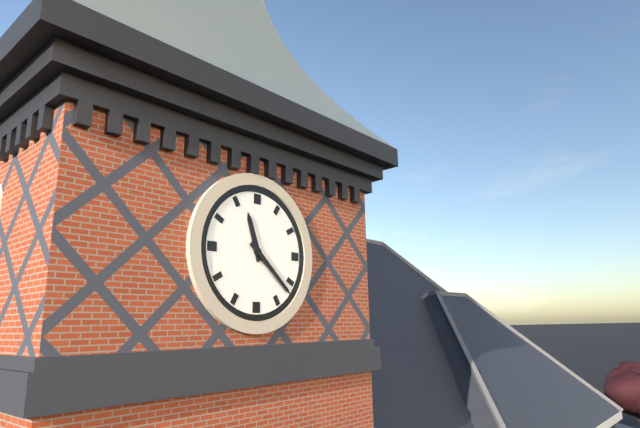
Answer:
11:22
